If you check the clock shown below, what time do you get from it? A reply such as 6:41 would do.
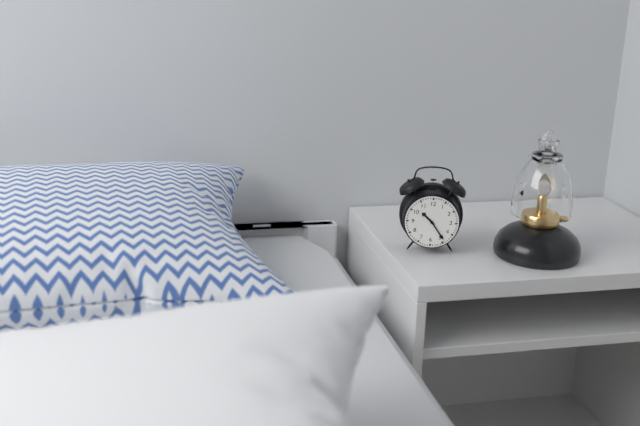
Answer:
10:24
